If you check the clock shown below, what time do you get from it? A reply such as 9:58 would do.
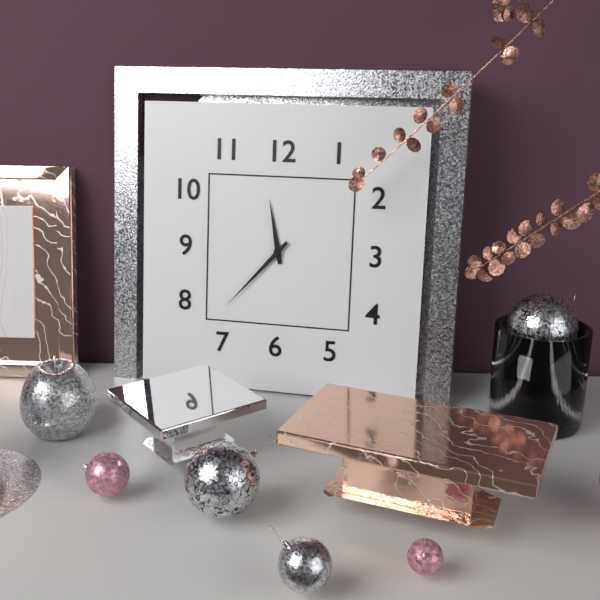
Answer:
11:37
